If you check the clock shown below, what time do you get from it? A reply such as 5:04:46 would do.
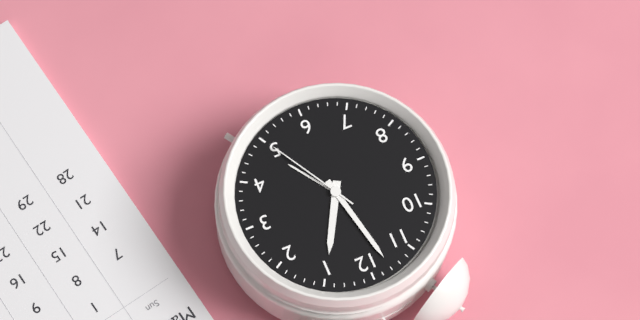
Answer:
12:58:25
